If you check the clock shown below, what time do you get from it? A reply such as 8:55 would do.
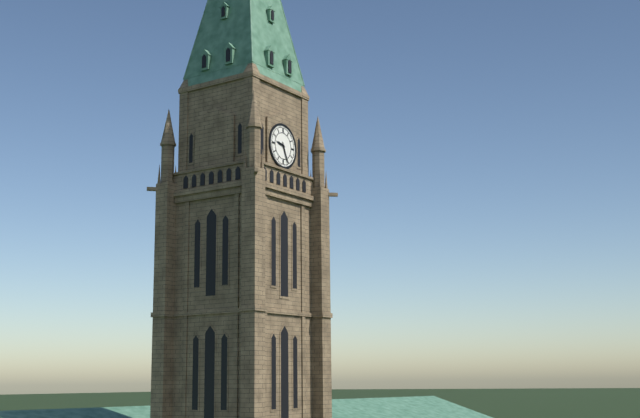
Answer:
9:26
